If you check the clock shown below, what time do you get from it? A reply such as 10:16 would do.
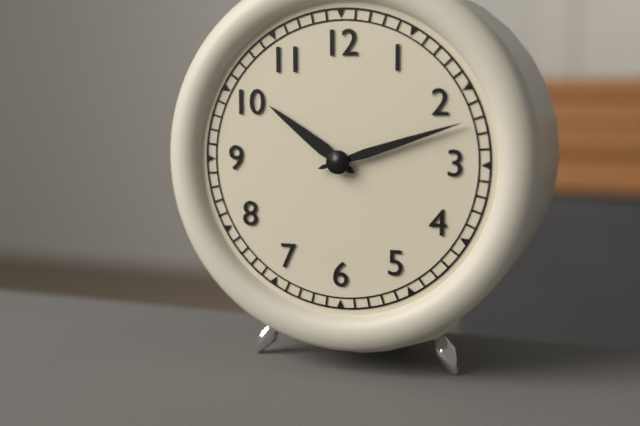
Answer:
10:12
